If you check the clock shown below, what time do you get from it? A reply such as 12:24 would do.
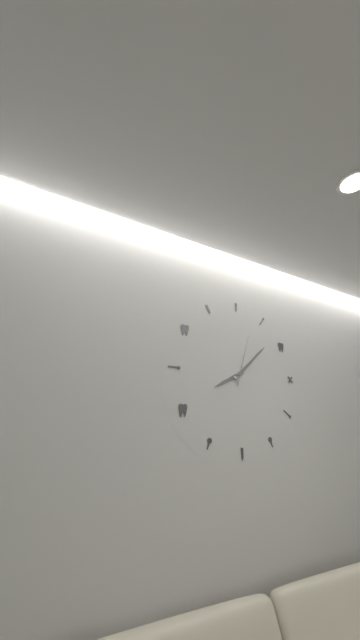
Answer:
8:08
